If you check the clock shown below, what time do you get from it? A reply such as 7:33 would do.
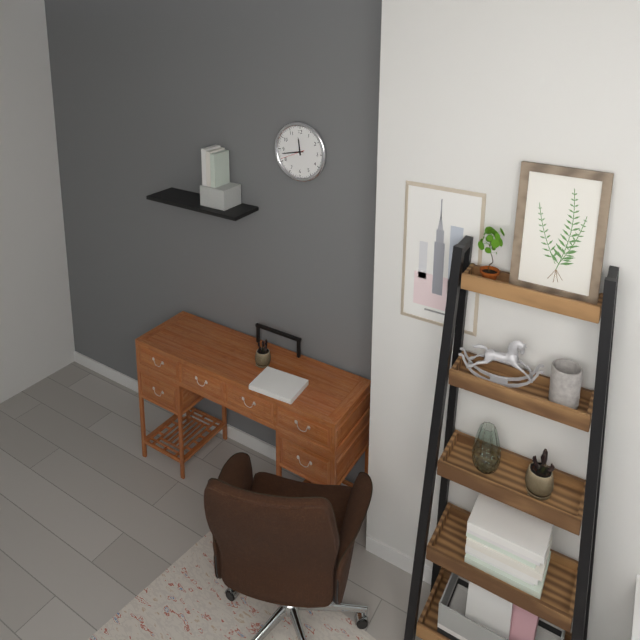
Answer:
11:43
